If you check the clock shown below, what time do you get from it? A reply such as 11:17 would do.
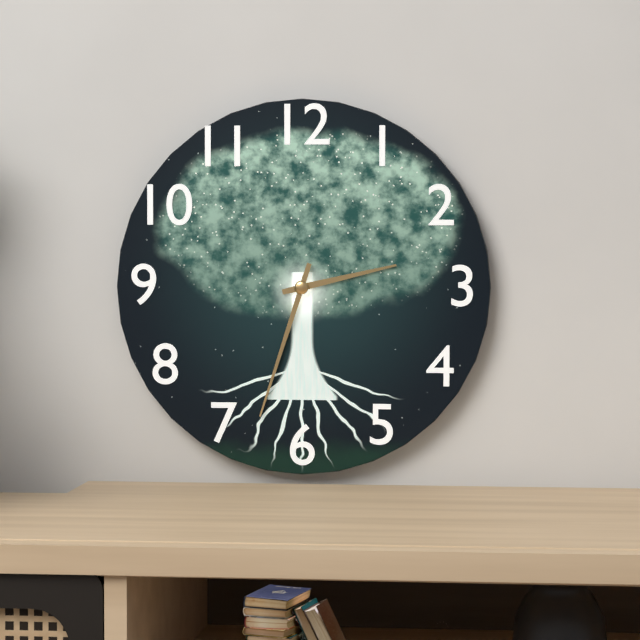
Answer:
2:33
